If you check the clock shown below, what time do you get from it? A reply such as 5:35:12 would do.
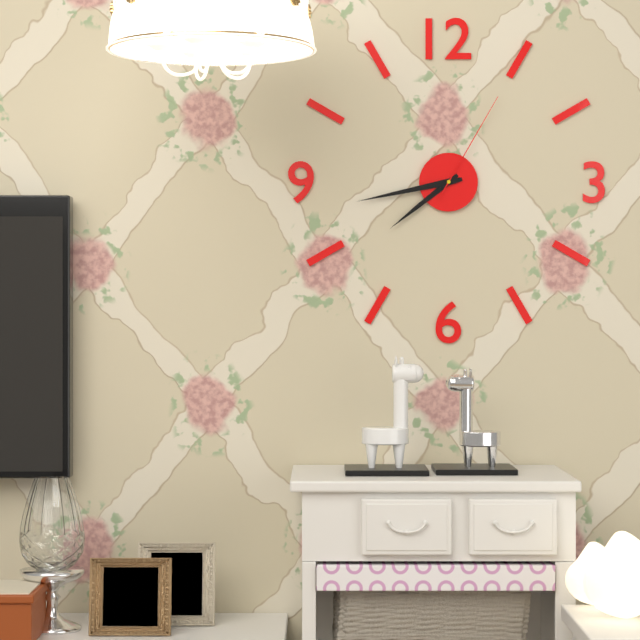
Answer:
7:43:05
